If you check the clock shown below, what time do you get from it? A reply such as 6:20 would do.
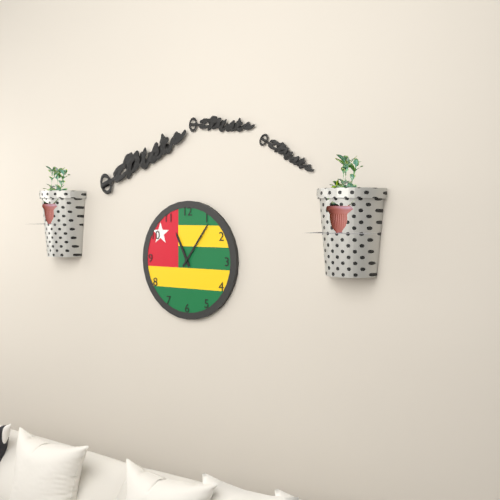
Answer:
11:06
